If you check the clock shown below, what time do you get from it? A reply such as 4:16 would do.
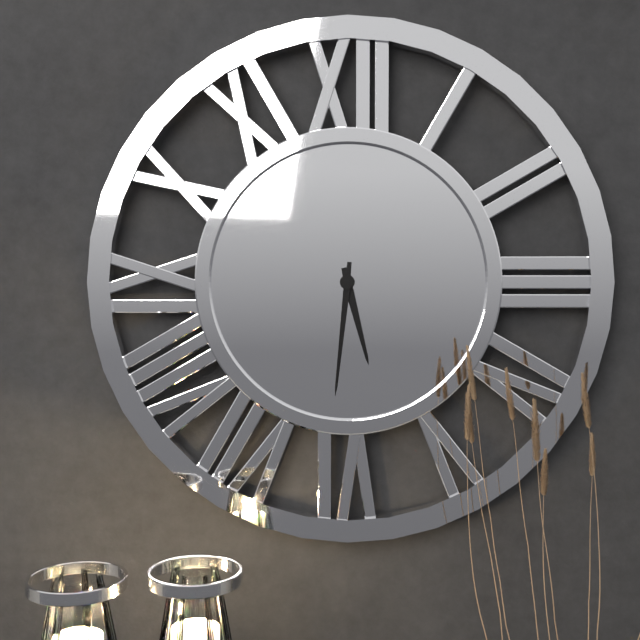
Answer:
5:31
